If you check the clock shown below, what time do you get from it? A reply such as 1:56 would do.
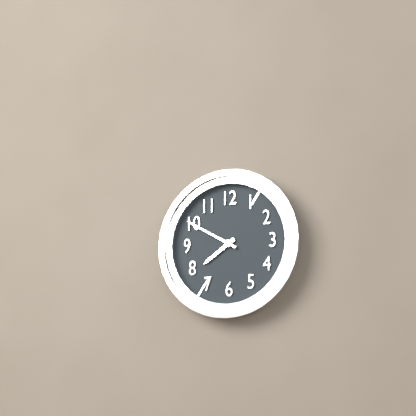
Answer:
7:50
